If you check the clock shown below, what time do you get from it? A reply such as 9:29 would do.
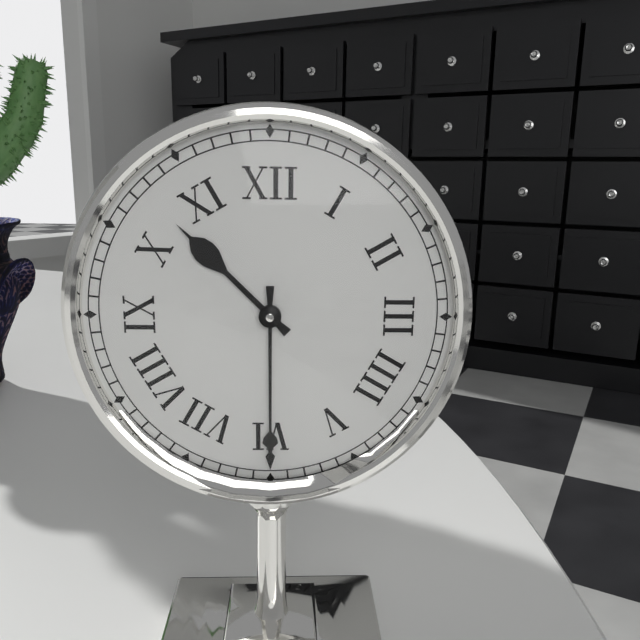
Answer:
10:30
